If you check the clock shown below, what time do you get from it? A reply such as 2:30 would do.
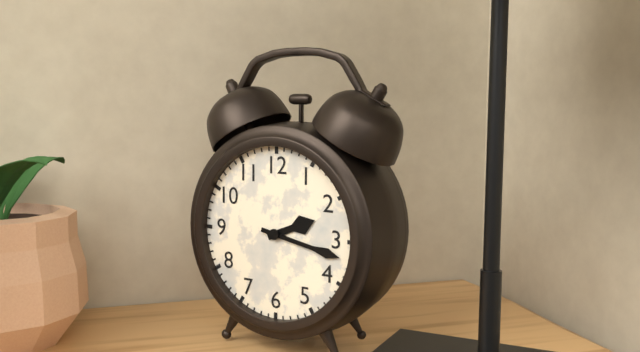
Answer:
2:17
